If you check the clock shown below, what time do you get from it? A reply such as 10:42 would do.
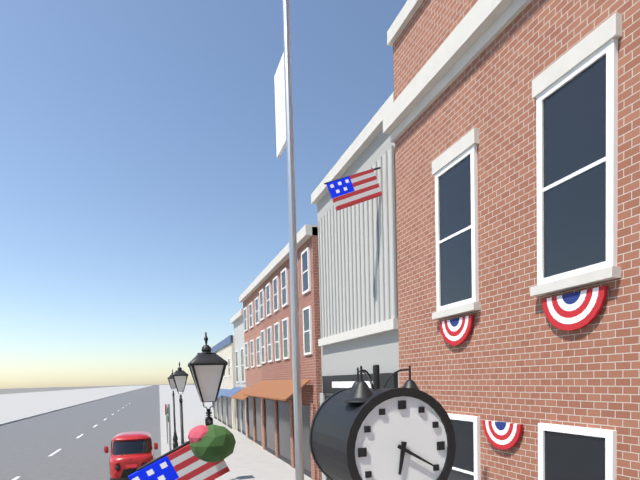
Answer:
6:20
